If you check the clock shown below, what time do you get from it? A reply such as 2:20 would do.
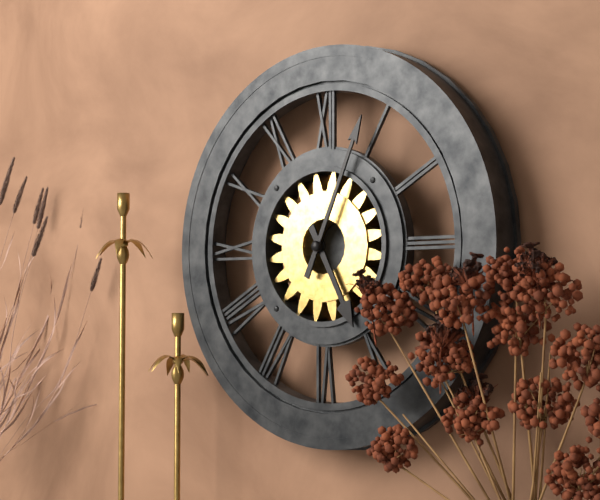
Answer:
5:04
